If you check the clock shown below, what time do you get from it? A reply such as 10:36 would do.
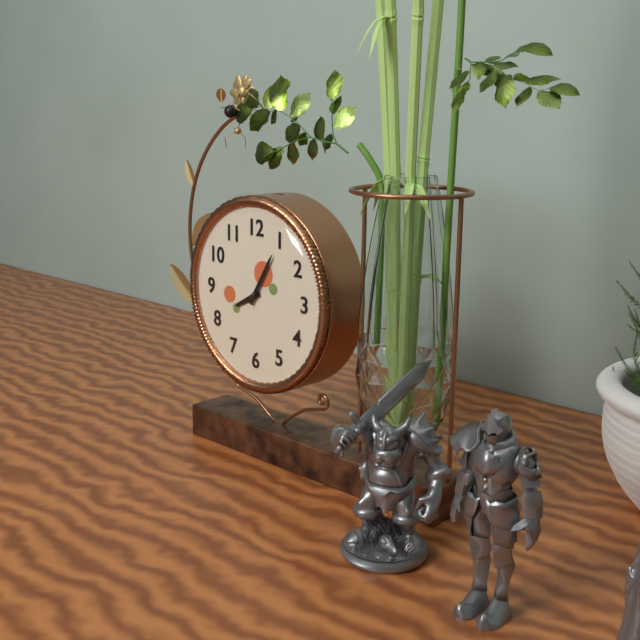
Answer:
8:05
